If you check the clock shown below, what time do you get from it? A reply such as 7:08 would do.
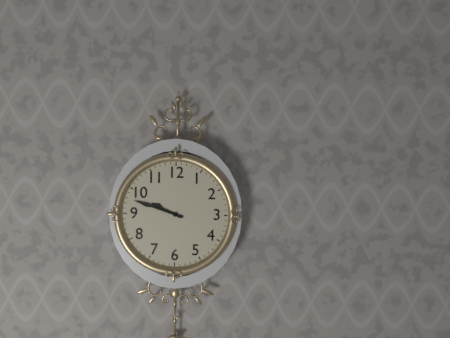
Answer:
9:48
